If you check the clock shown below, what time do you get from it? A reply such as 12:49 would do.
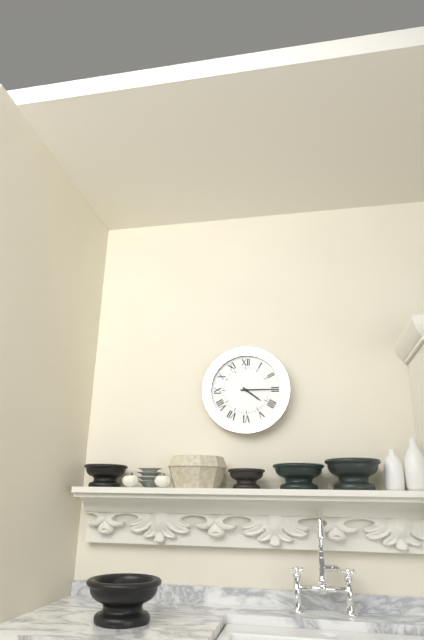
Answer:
4:15
